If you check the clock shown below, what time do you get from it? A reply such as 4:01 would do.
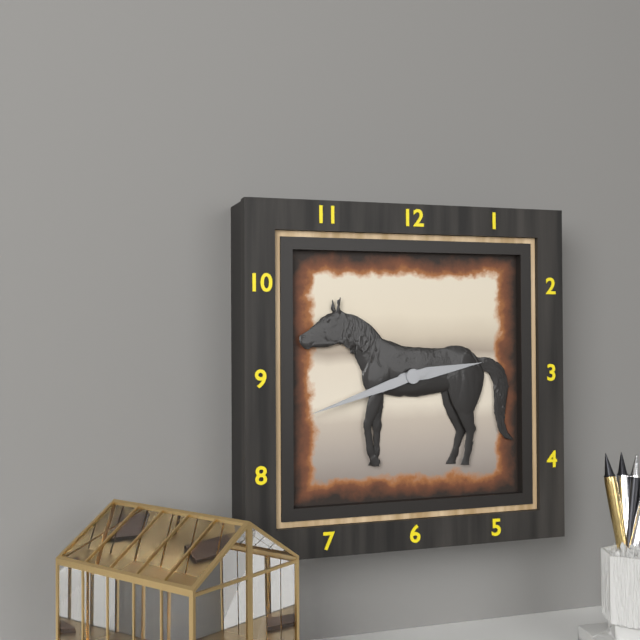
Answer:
2:42
